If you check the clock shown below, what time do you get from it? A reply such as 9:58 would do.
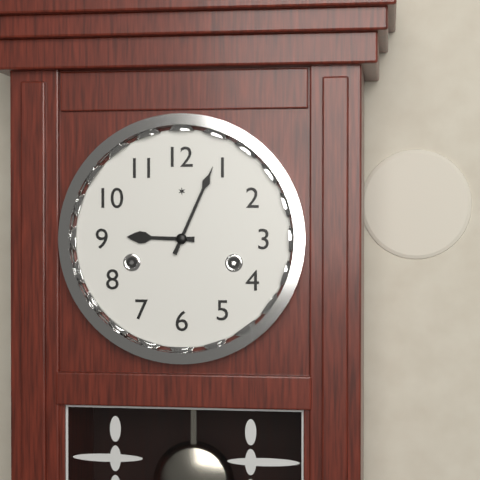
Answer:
9:04
